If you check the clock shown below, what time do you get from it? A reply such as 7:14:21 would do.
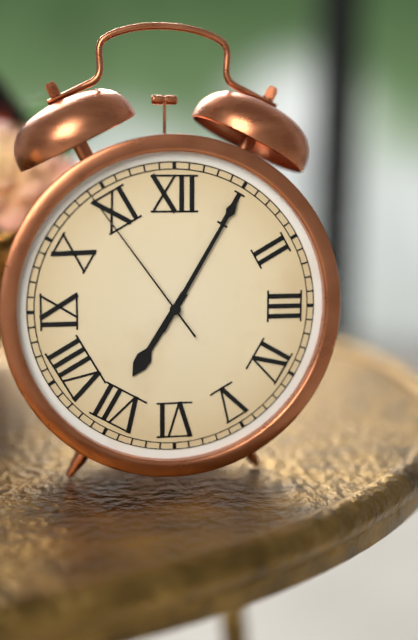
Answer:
7:05:54
